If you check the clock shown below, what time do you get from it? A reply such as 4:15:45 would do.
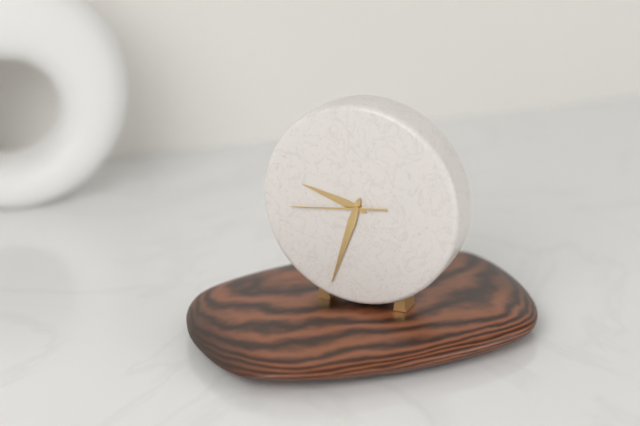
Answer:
9:33:44
